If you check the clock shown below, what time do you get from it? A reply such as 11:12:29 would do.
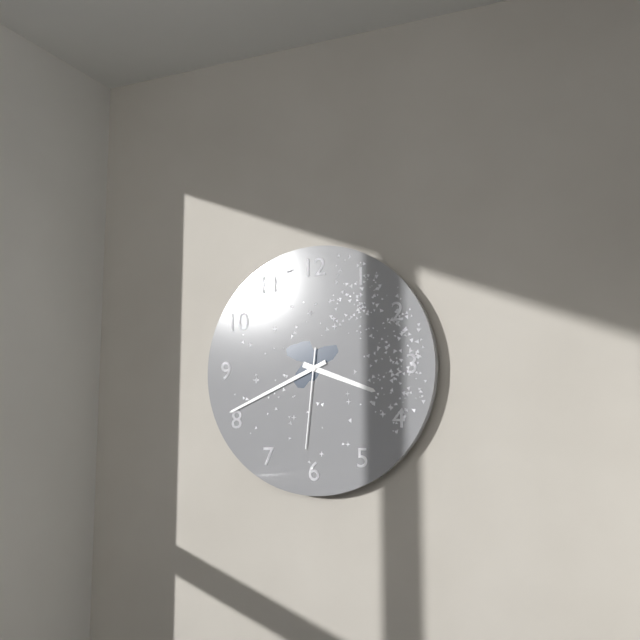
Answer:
3:41:31
